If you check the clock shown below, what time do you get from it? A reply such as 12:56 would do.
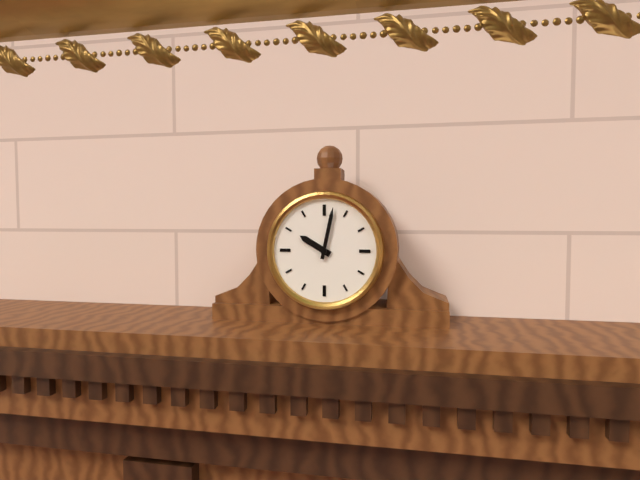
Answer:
10:02
